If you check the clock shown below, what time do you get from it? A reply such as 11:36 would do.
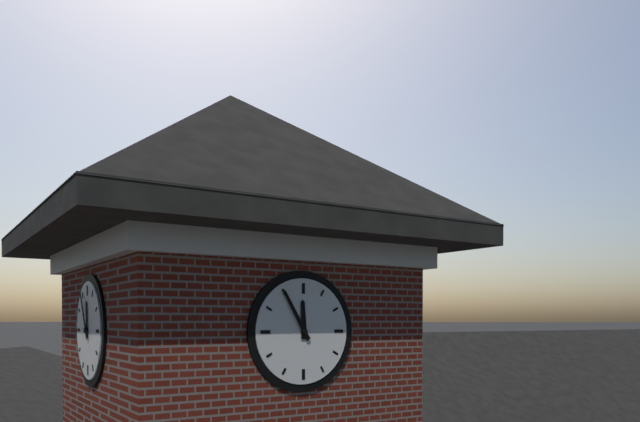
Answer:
11:55
